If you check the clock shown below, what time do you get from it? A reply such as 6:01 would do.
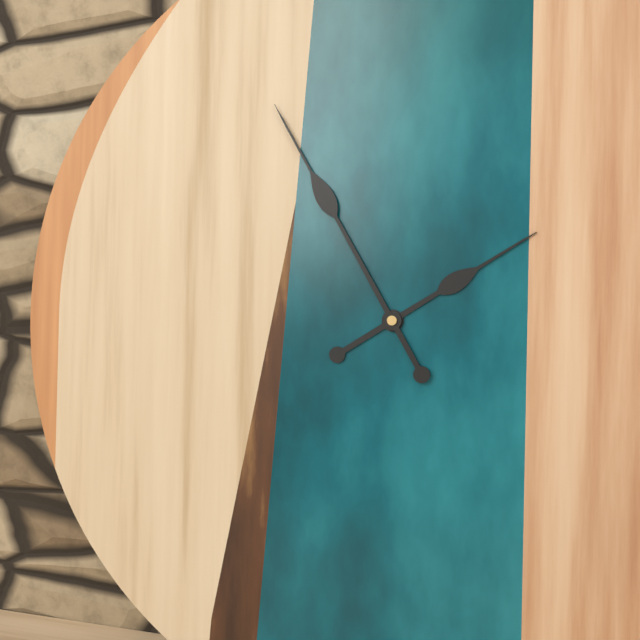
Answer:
1:55
